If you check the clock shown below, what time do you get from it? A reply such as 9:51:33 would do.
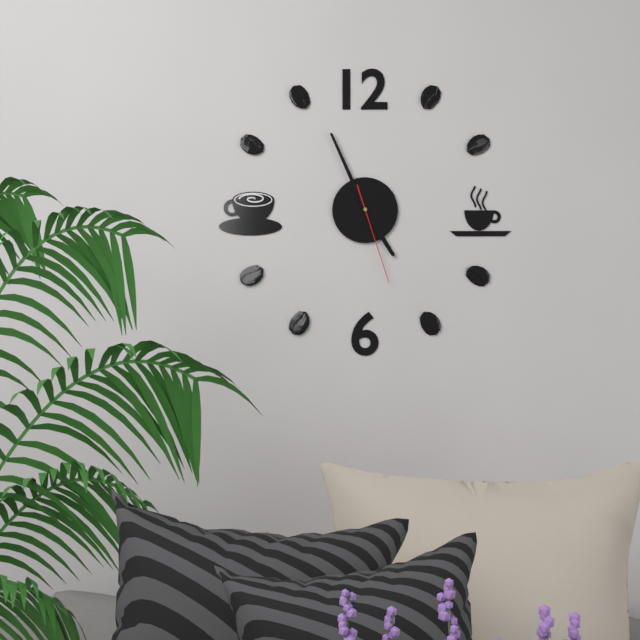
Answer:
4:56:27
